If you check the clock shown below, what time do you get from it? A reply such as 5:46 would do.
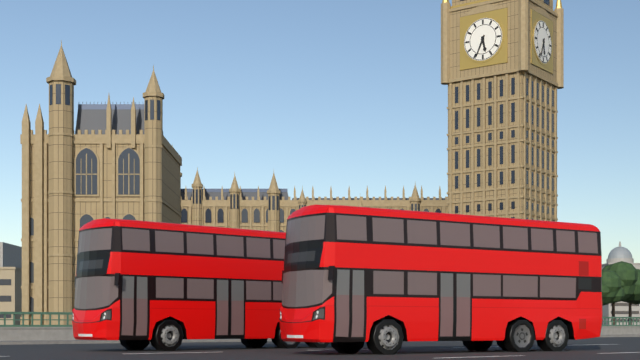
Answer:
5:34
